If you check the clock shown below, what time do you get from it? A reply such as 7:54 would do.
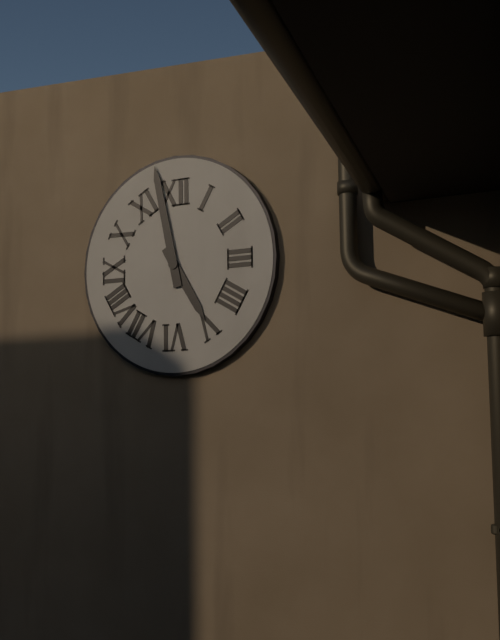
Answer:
4:58
